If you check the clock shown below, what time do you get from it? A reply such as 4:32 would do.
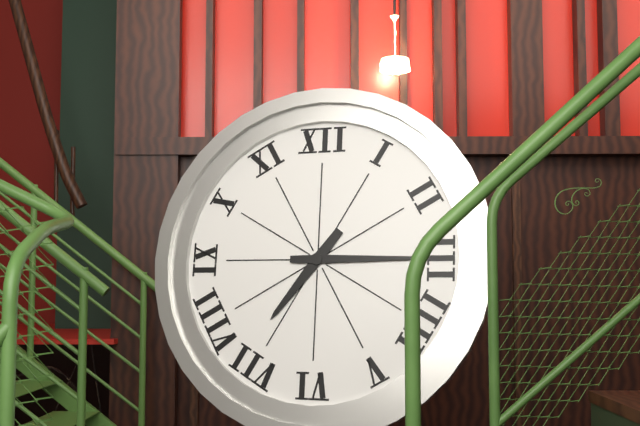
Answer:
7:15
